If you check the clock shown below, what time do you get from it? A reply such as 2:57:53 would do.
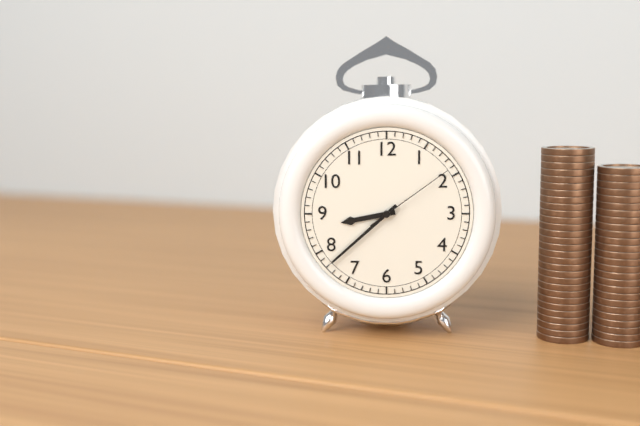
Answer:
8:38:09
